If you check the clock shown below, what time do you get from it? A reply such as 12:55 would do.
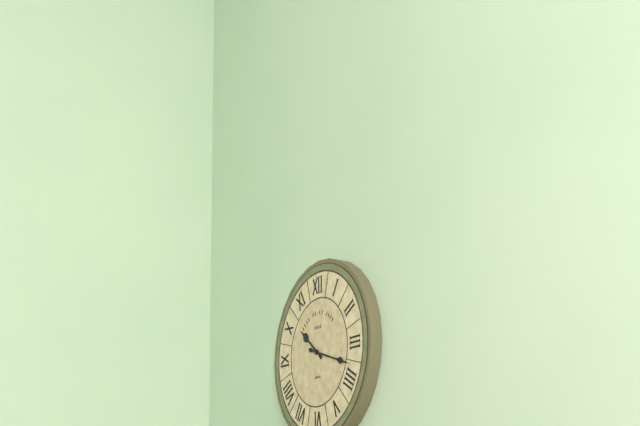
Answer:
10:18
